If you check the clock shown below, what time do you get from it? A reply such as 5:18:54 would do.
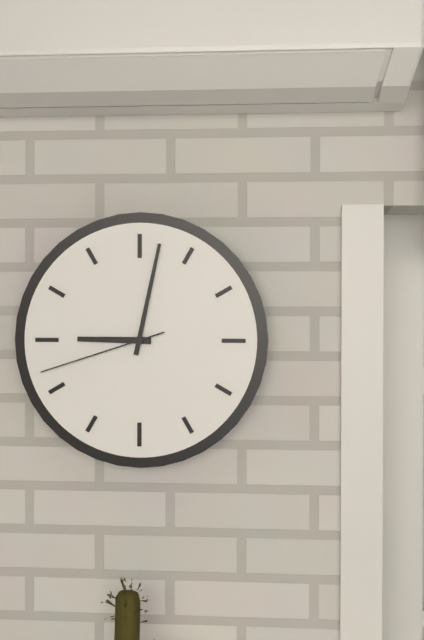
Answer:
9:02:42
